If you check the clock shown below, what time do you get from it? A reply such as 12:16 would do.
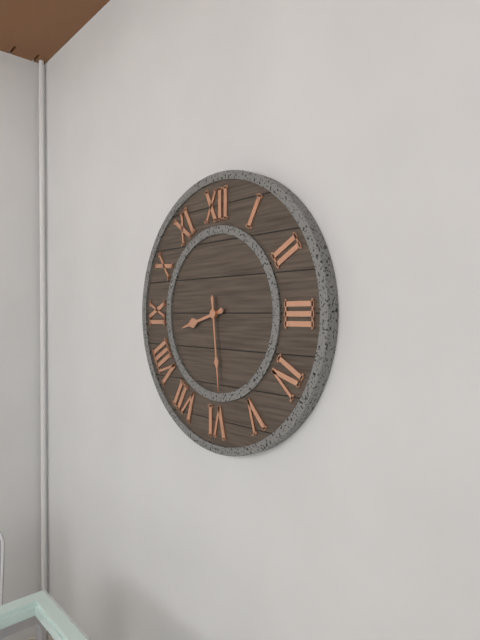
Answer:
8:29
